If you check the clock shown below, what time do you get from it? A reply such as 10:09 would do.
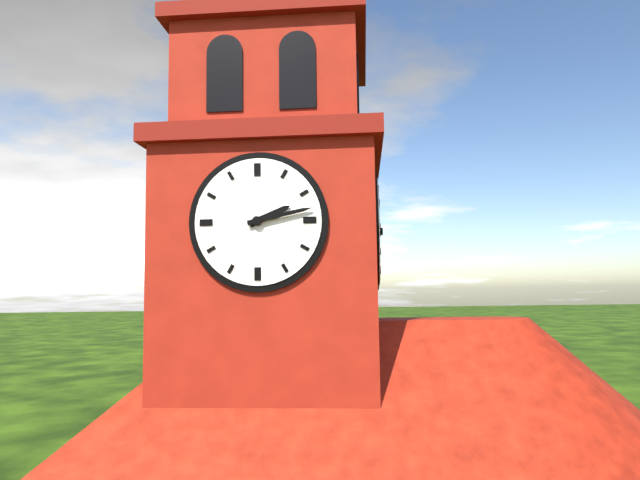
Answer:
2:13
